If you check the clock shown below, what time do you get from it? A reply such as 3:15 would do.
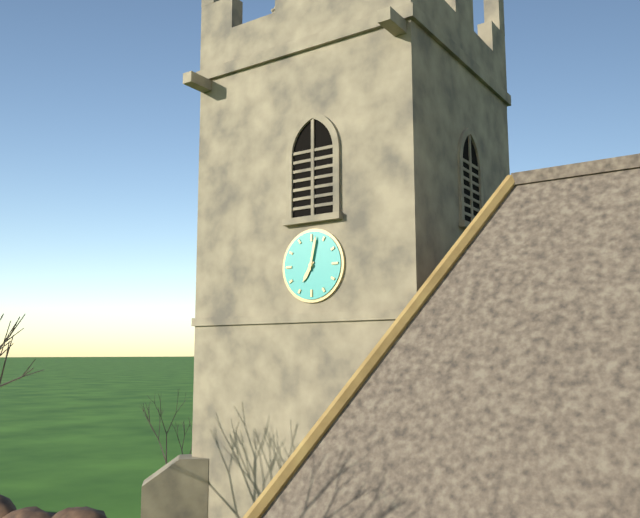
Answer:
7:02
